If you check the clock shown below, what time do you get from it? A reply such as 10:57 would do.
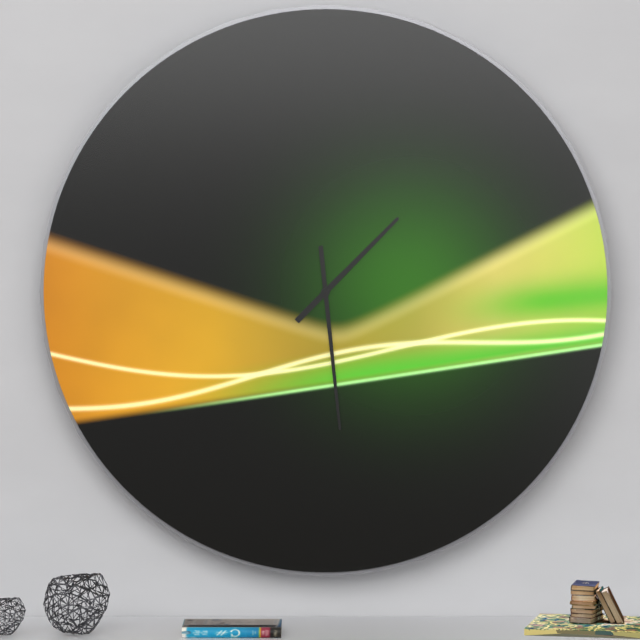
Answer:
1:29
